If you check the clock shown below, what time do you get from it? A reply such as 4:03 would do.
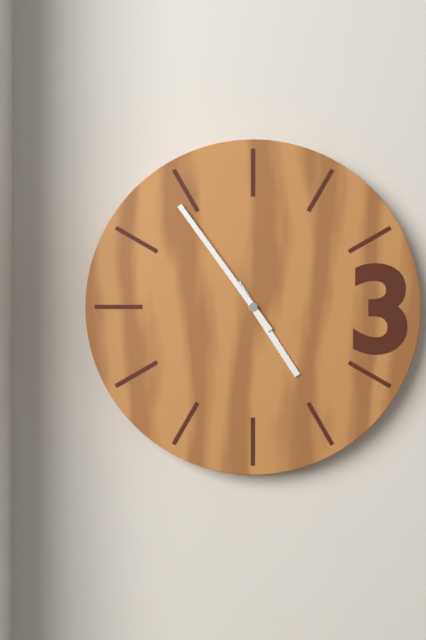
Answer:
4:54
